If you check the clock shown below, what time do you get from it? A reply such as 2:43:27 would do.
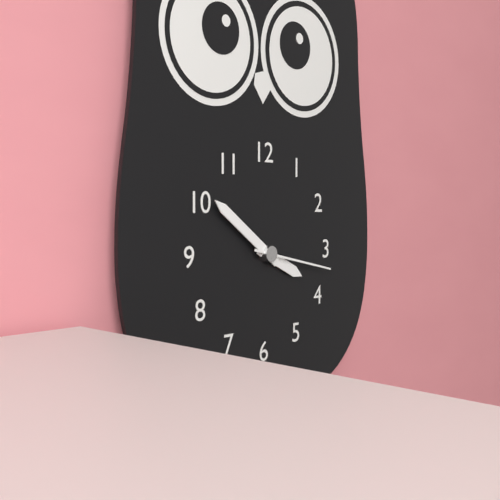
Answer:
3:51:17
